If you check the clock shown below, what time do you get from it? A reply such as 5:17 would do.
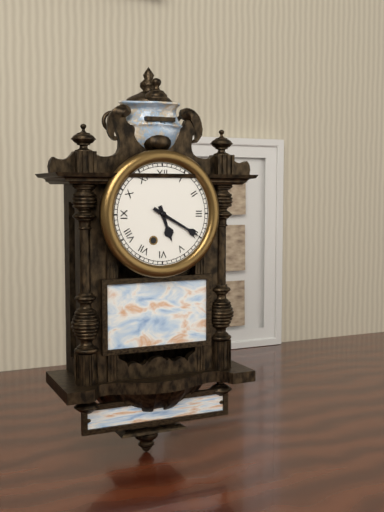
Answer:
5:20
